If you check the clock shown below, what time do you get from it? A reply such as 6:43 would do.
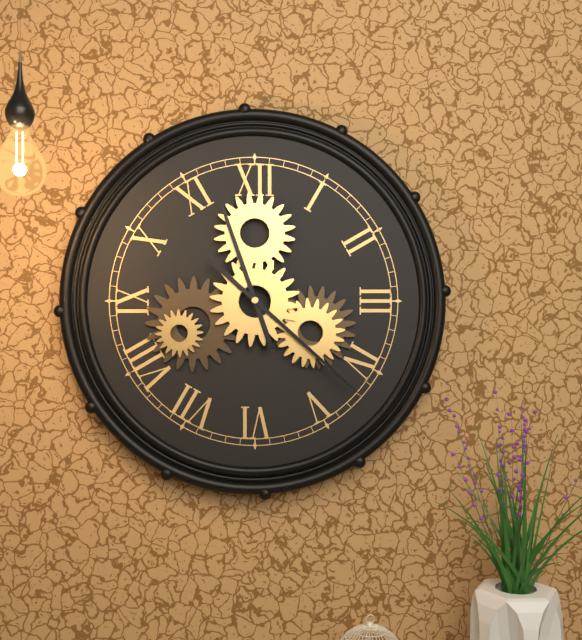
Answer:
11:22
